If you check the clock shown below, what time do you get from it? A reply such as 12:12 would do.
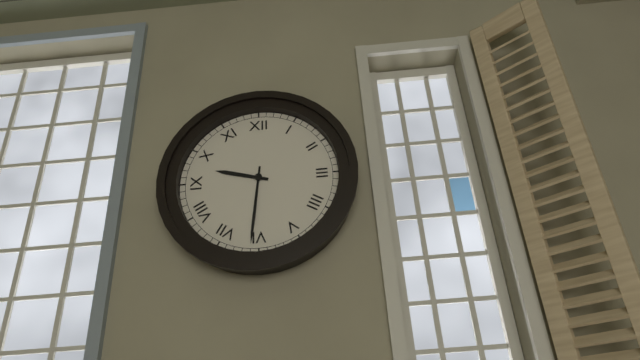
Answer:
9:31
